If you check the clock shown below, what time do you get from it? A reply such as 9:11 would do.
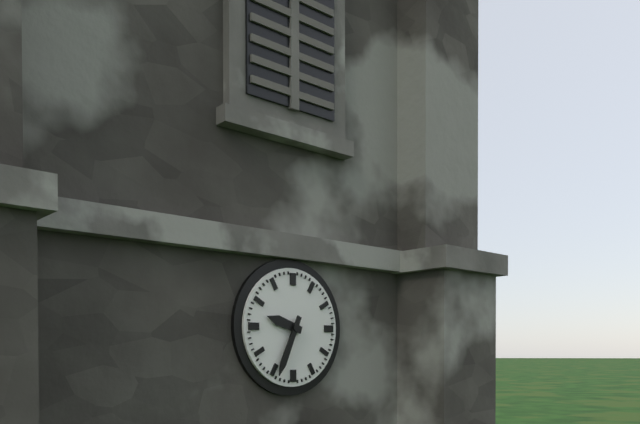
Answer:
9:34
